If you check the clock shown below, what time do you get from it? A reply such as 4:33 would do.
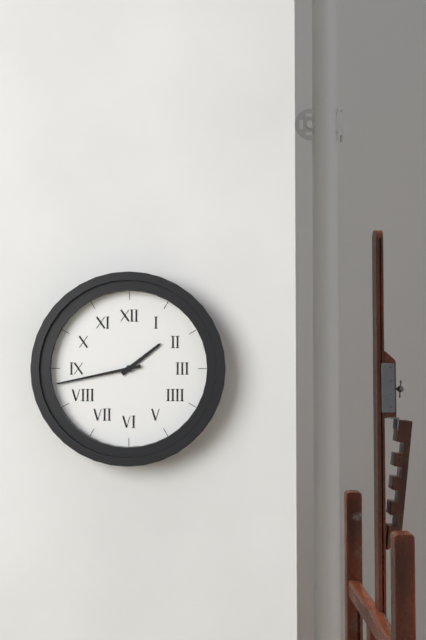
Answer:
1:43
